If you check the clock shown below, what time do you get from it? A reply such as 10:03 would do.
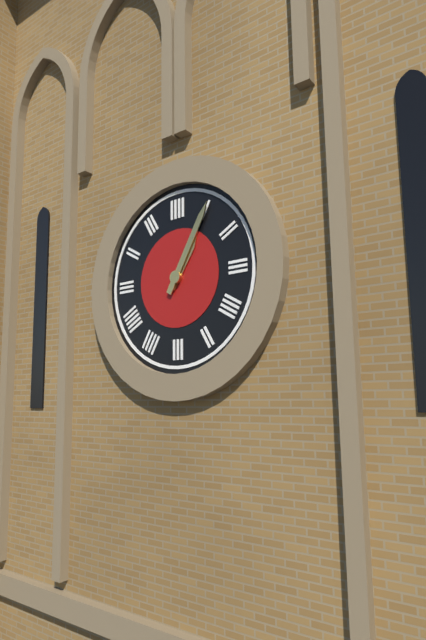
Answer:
1:05
